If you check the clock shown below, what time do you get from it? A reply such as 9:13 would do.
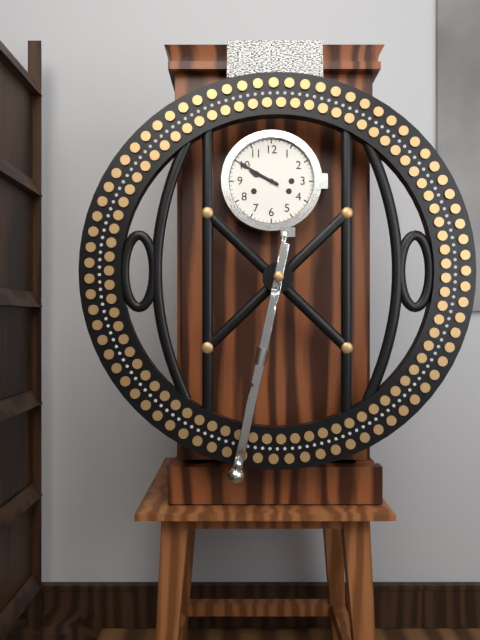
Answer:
9:50
